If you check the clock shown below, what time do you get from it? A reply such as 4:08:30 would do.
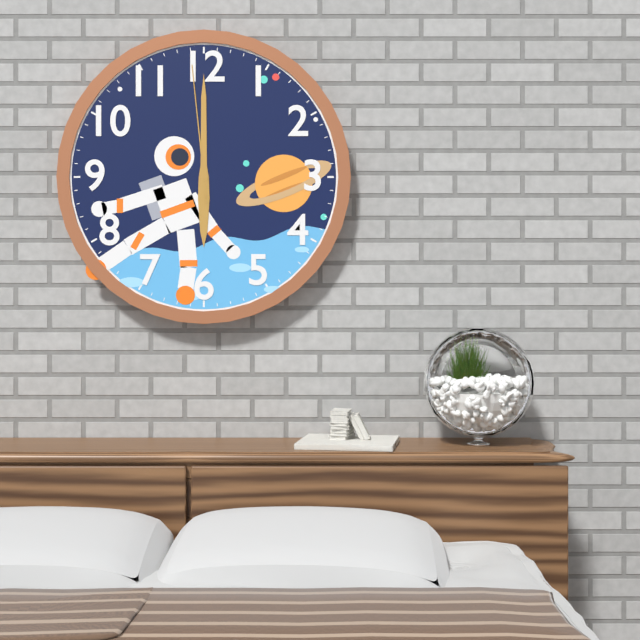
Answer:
6:00:59
